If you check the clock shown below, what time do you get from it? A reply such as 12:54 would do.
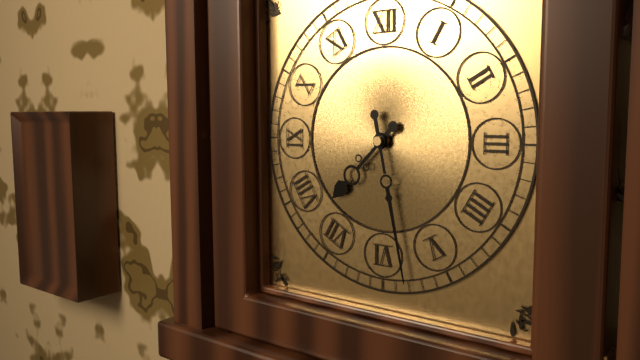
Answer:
7:28
